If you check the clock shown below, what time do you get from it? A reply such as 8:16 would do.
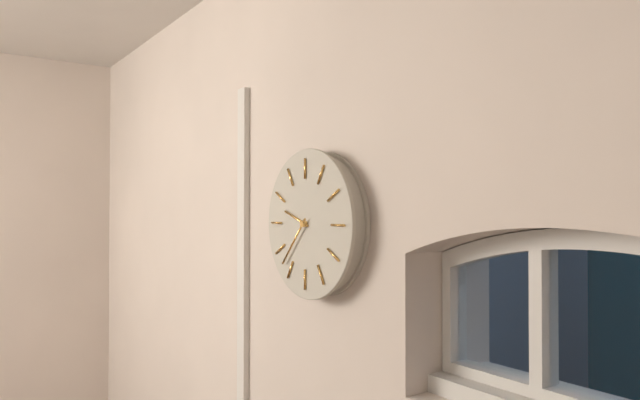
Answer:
9:37
